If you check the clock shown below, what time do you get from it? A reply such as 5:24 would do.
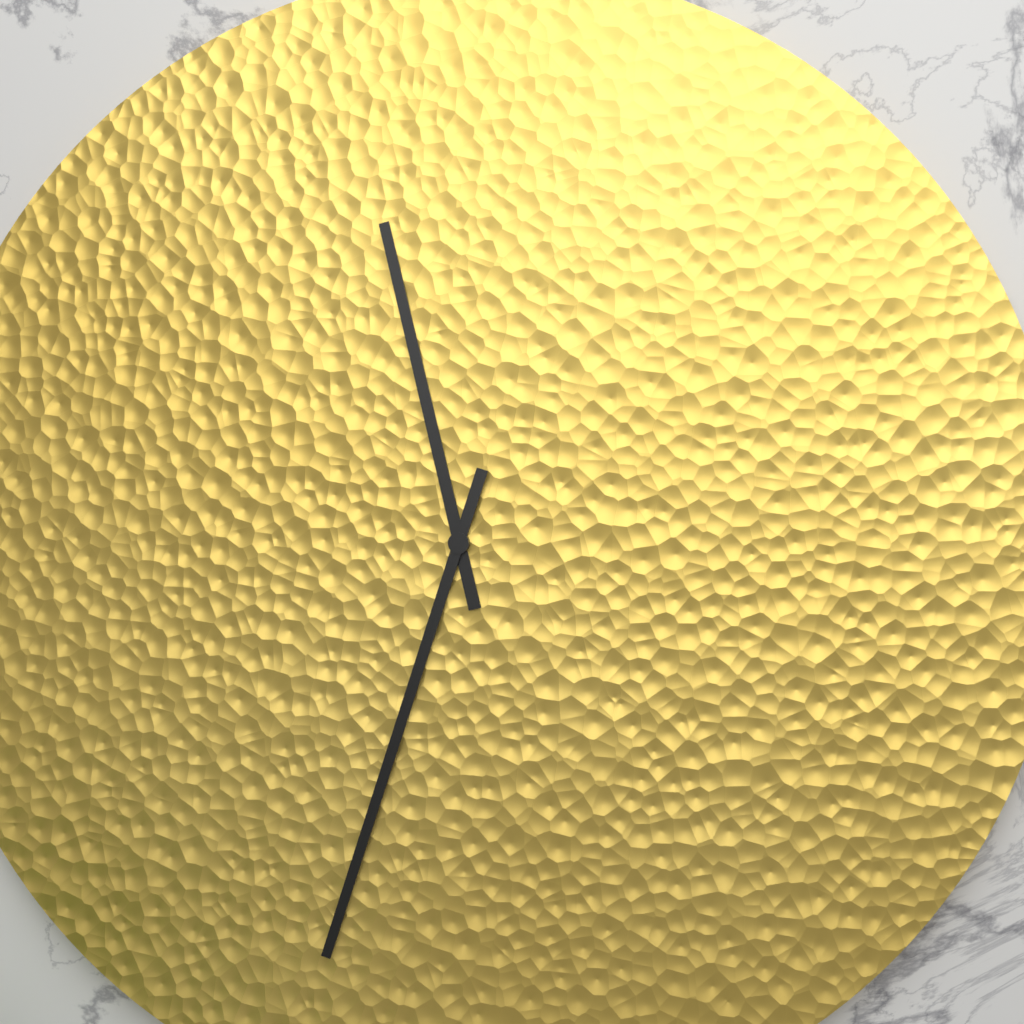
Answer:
11:33
